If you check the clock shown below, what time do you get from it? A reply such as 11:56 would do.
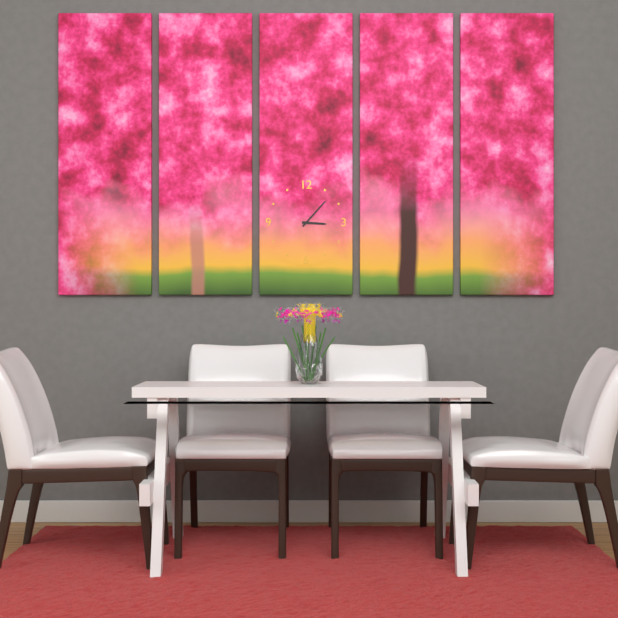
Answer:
3:07
